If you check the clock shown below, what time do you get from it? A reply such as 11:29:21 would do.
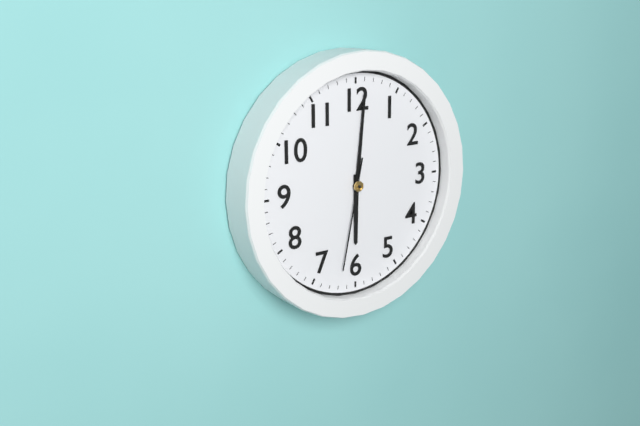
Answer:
6:01:32
